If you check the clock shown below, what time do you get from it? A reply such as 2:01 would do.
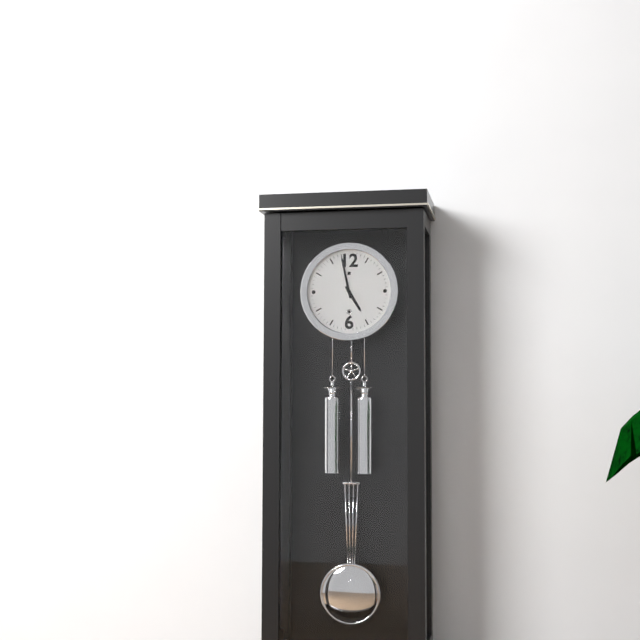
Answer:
4:58
